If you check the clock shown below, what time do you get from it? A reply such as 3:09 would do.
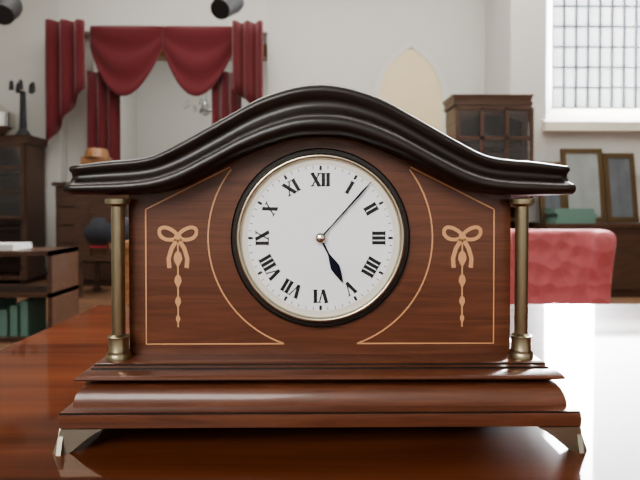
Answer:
5:07
